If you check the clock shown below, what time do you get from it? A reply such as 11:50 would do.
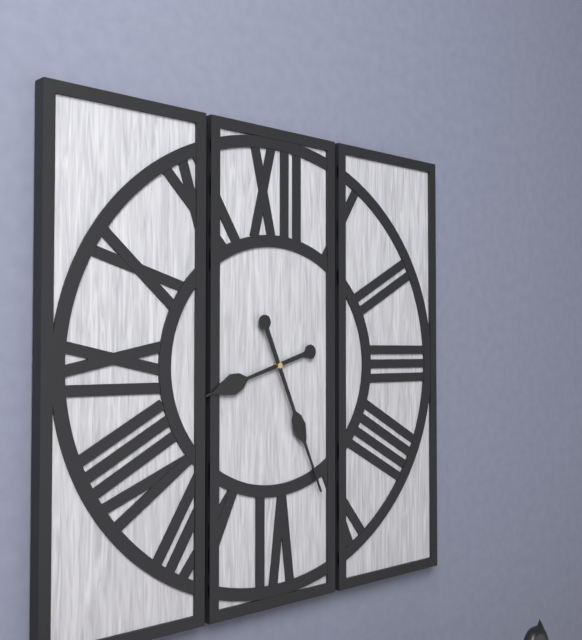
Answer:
8:26
